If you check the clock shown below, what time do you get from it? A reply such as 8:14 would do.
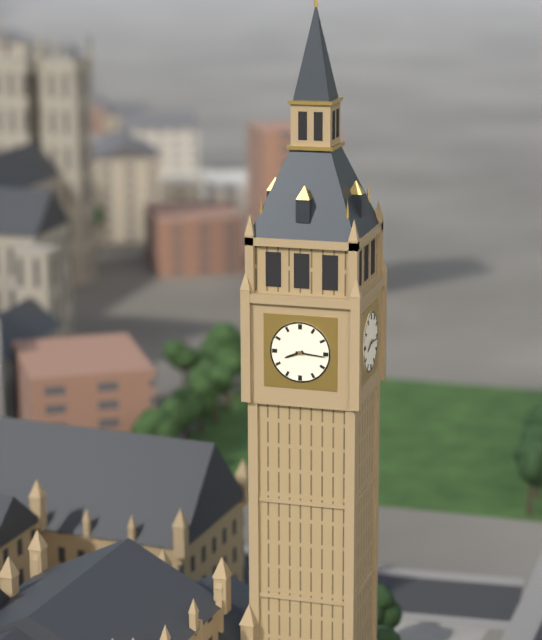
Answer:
8:16
